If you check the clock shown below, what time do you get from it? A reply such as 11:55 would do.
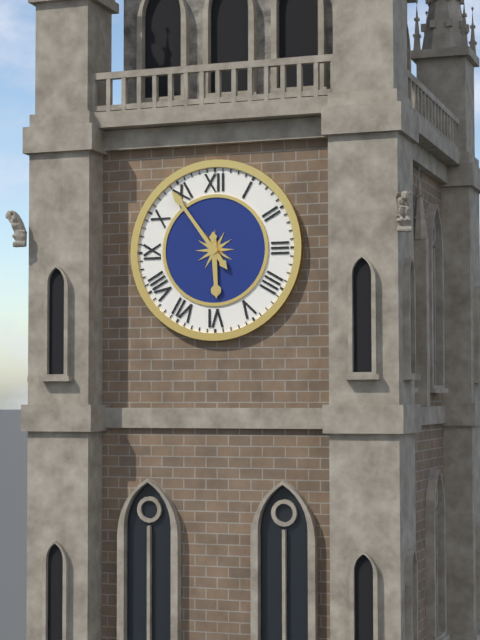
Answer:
5:54
